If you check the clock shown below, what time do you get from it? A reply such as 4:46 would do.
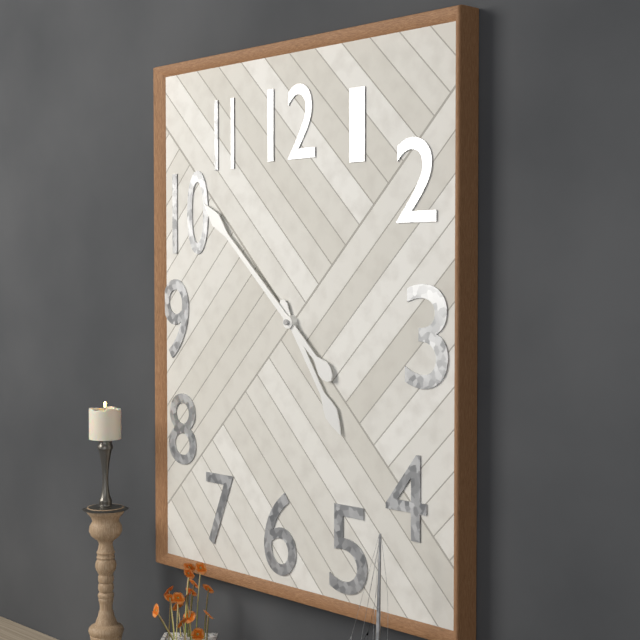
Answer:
4:52
